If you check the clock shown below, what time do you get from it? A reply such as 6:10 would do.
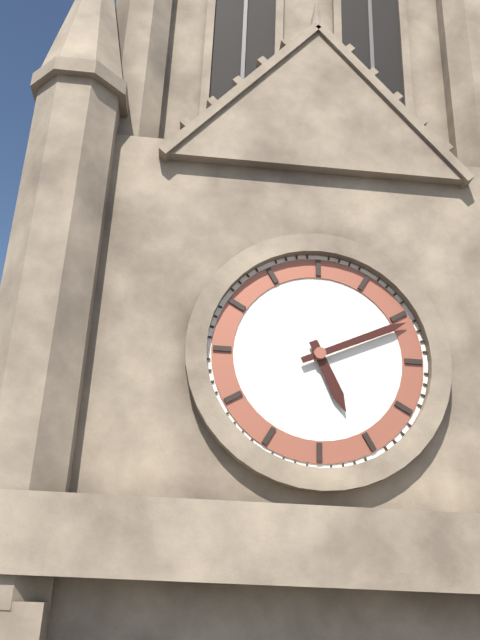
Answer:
5:11
